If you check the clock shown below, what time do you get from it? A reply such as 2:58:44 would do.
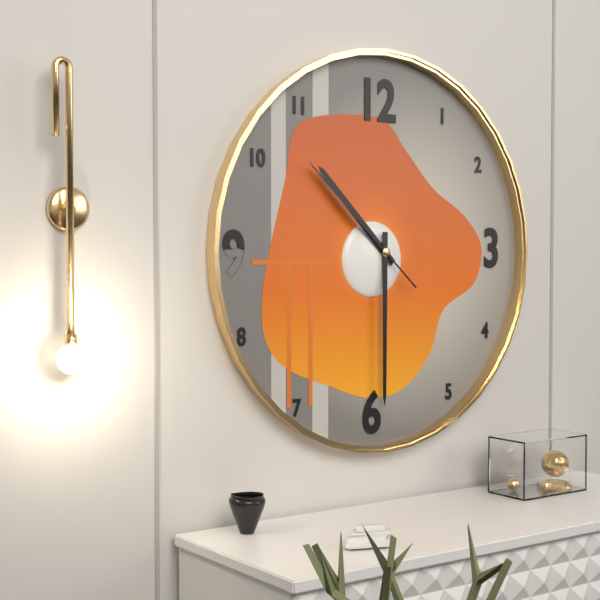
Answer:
10:30:52
